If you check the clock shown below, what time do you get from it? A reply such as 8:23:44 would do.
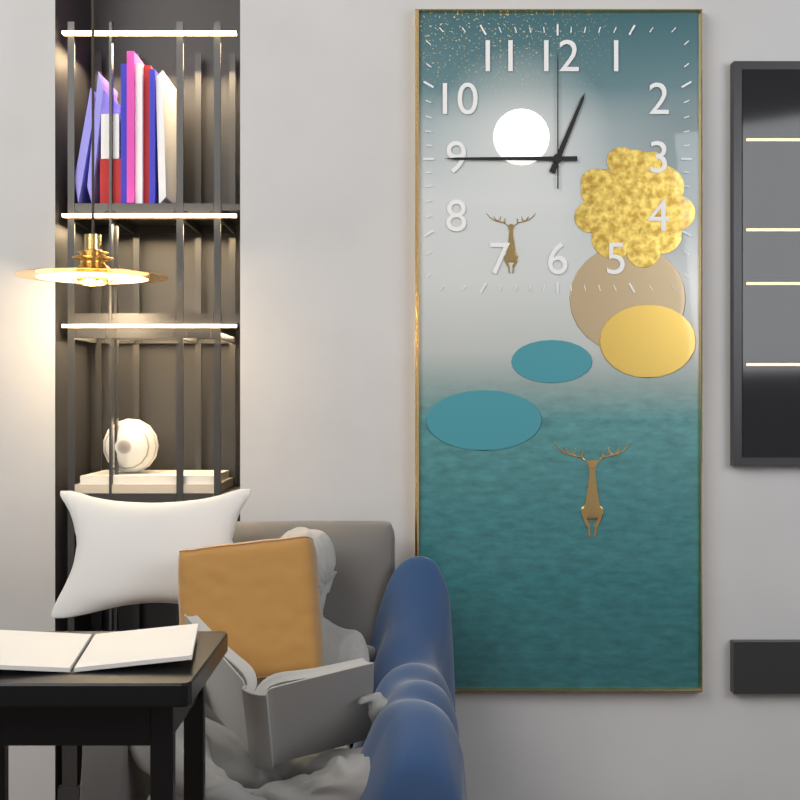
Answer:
12:45:00
